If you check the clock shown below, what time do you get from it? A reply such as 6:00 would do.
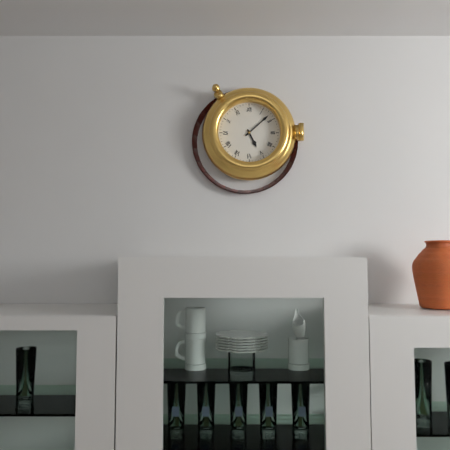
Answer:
5:08
